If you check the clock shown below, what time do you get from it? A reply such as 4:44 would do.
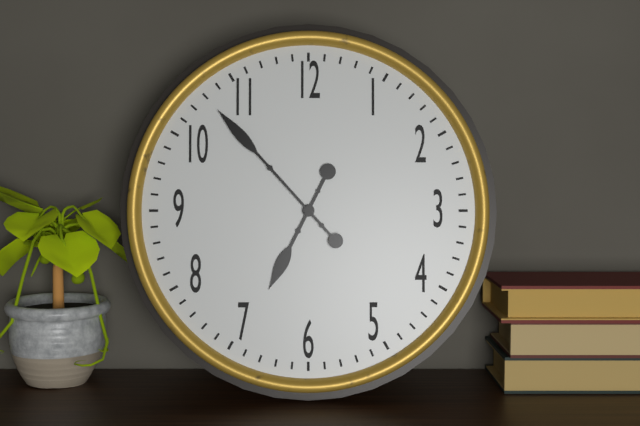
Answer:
6:53
